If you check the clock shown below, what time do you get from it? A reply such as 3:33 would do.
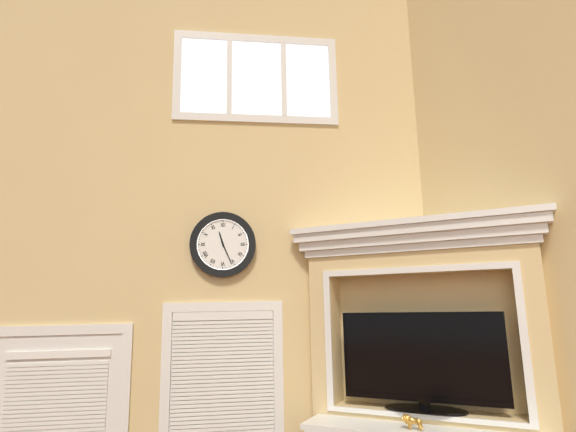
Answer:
11:26
